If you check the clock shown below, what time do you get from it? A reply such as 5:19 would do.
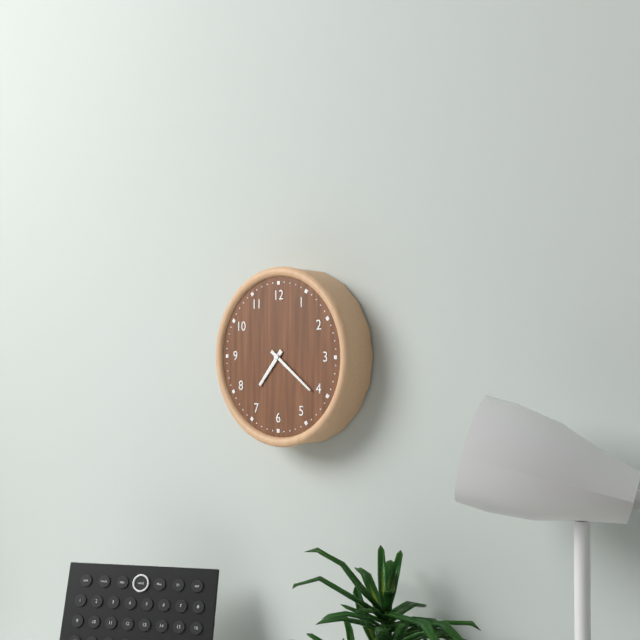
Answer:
7:21
